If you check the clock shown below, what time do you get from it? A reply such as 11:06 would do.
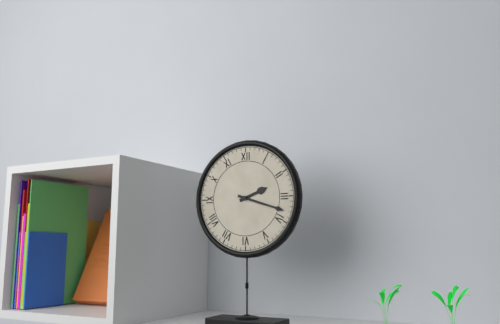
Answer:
2:18
